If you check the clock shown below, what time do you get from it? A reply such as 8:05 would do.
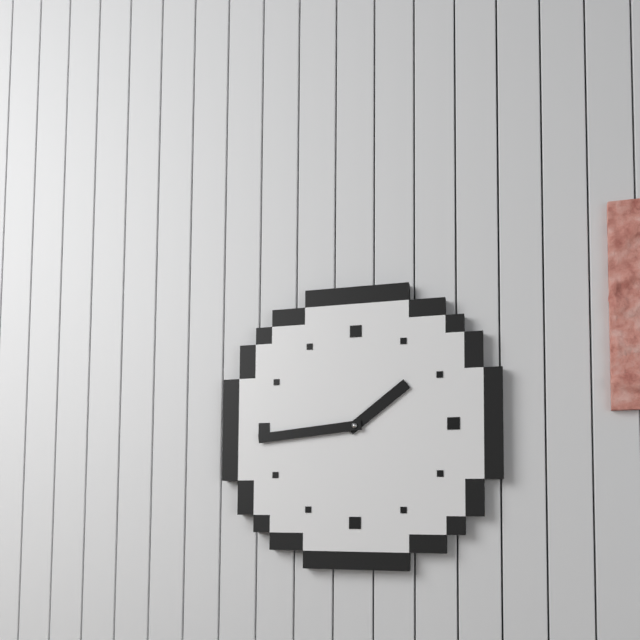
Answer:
1:44
